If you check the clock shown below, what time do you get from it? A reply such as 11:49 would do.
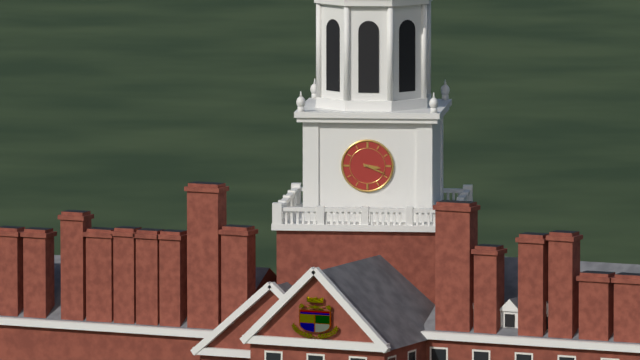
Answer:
3:19
